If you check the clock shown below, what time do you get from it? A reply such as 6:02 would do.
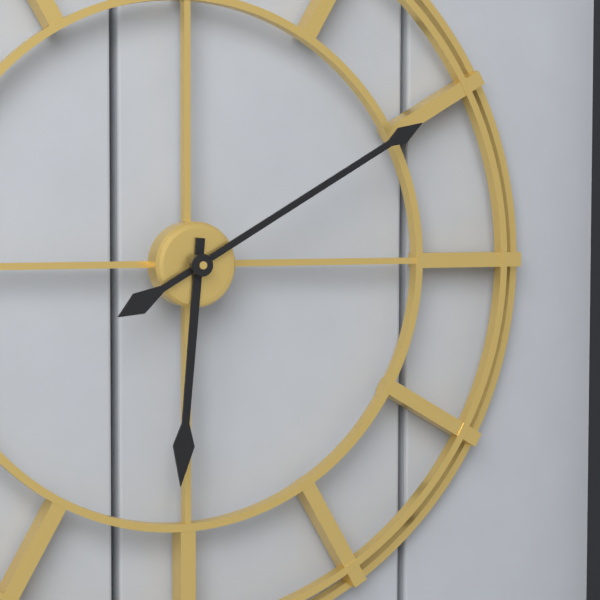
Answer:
6:10
